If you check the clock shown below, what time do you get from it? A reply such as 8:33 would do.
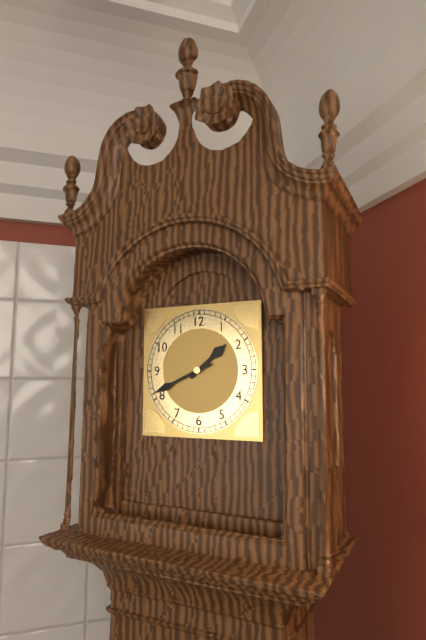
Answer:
1:41
